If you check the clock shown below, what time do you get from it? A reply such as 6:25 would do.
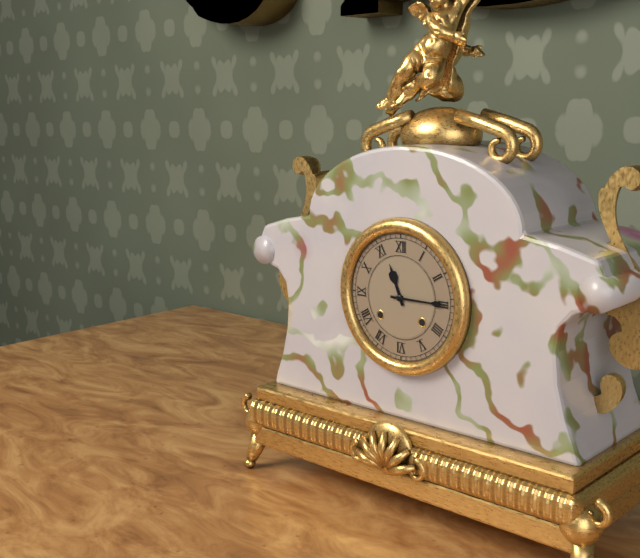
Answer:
11:15
